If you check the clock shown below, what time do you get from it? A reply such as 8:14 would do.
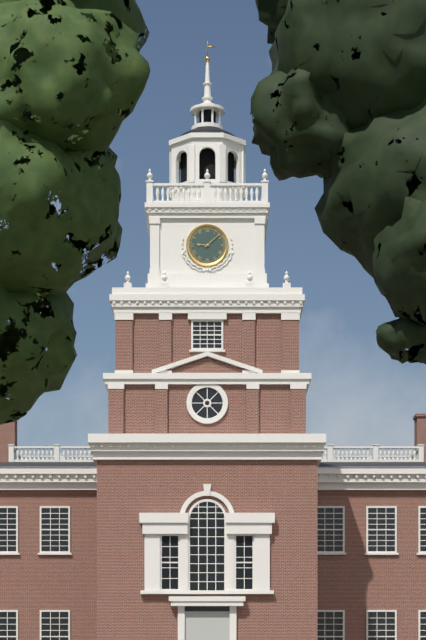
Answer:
9:08
